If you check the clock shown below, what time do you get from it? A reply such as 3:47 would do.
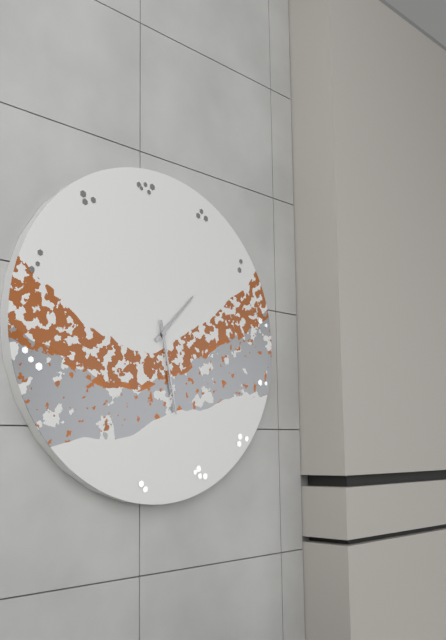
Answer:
1:28
